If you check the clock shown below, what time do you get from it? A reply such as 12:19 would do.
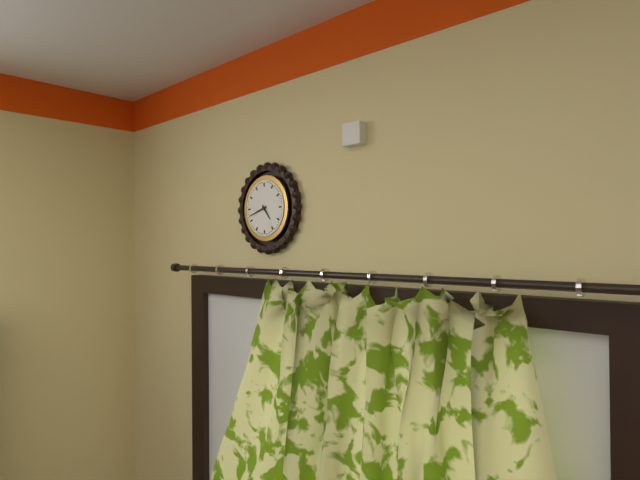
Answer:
4:42
